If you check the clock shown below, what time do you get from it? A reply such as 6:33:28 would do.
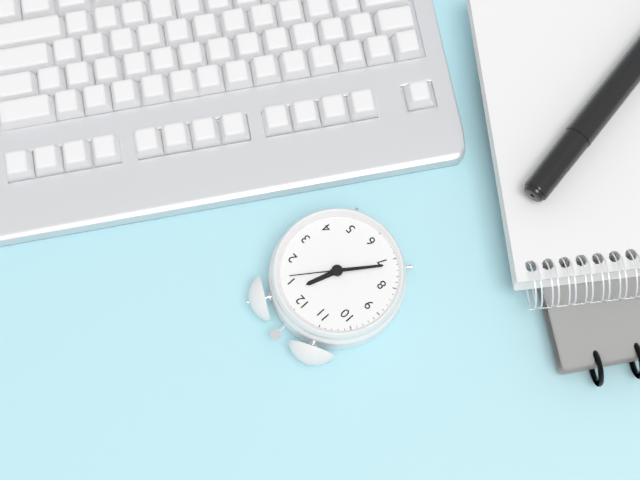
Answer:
12:36:06
